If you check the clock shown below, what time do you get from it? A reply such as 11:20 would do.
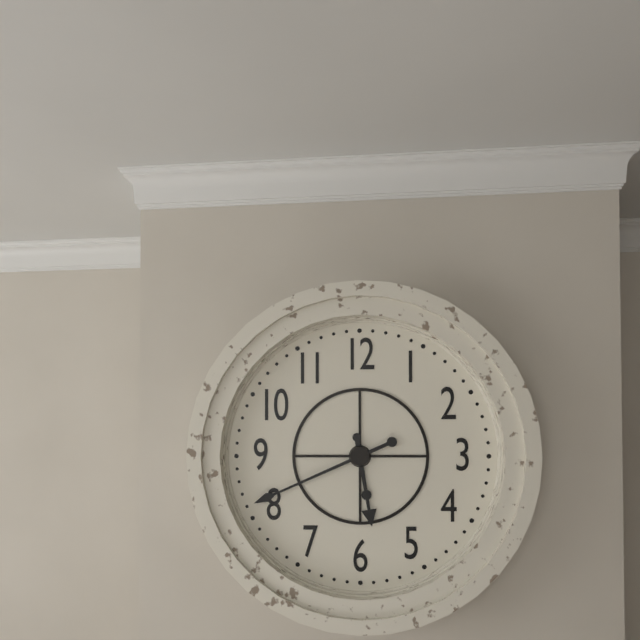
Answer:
5:41
